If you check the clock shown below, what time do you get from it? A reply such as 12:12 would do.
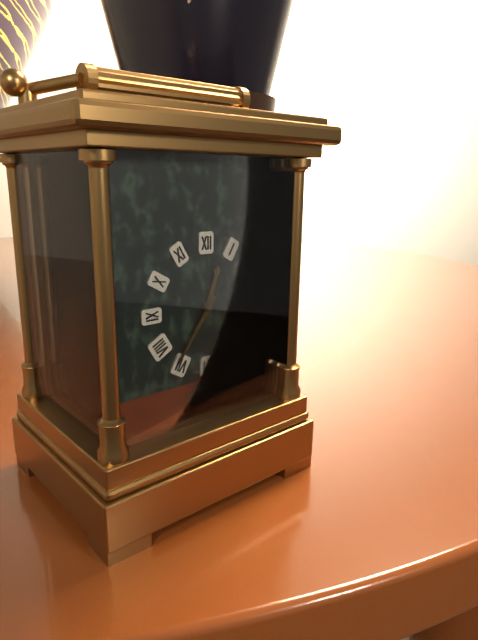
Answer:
12:36
